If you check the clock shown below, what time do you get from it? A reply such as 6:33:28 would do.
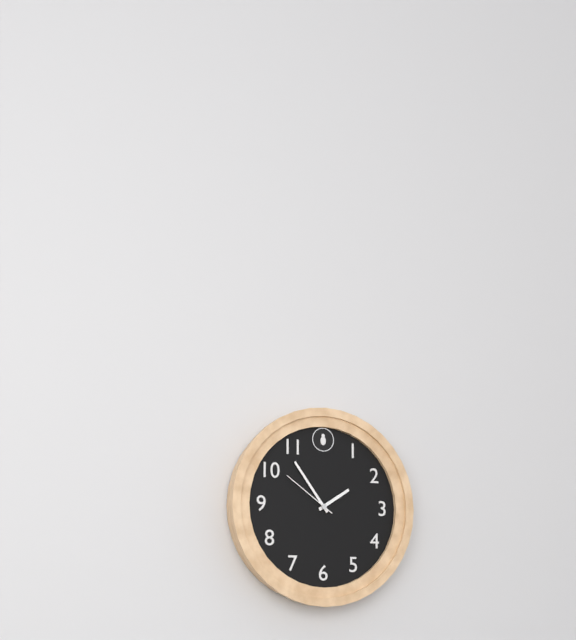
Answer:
1:54:51
